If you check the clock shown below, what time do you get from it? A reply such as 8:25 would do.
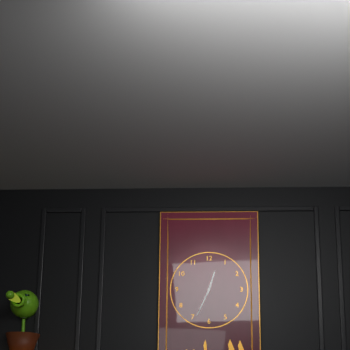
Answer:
12:34
